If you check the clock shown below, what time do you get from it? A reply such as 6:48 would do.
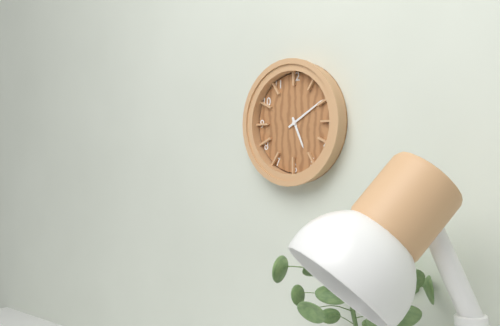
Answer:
5:10
